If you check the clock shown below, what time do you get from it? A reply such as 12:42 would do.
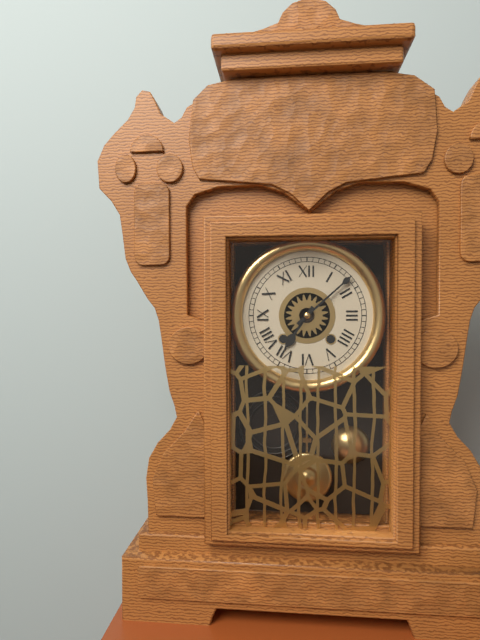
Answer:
7:08
